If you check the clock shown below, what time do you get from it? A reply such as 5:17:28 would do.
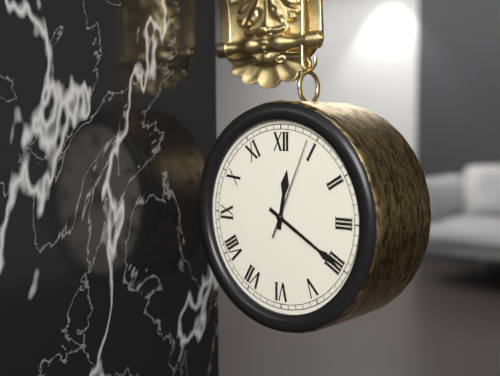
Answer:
12:20:04
